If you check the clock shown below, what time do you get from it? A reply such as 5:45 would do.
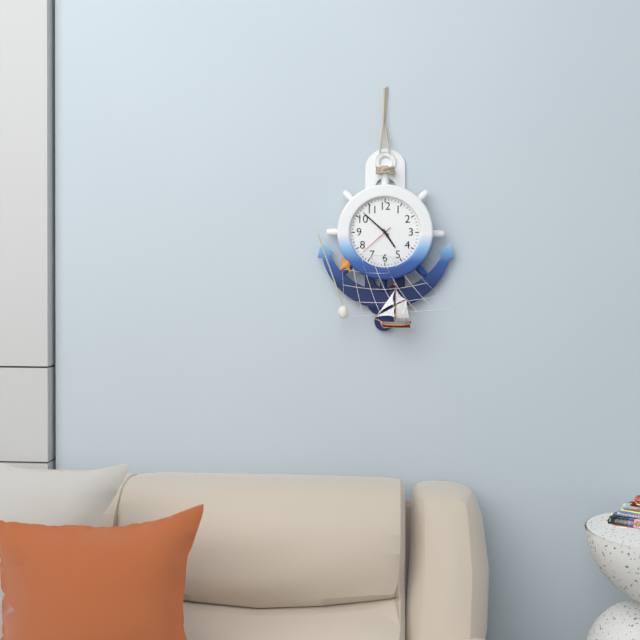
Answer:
4:52
